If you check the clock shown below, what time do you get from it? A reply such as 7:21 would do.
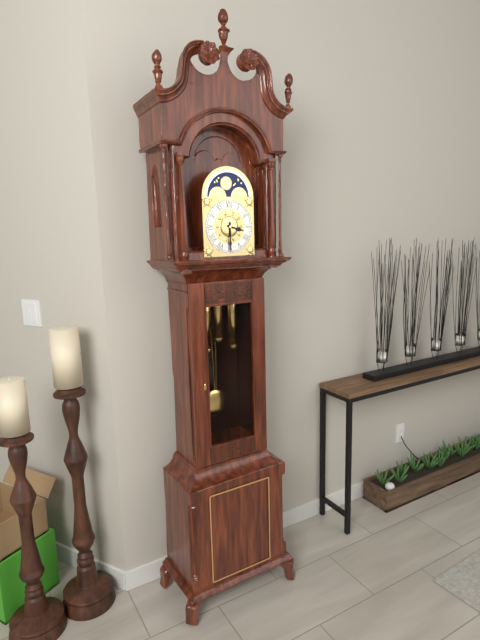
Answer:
3:30
